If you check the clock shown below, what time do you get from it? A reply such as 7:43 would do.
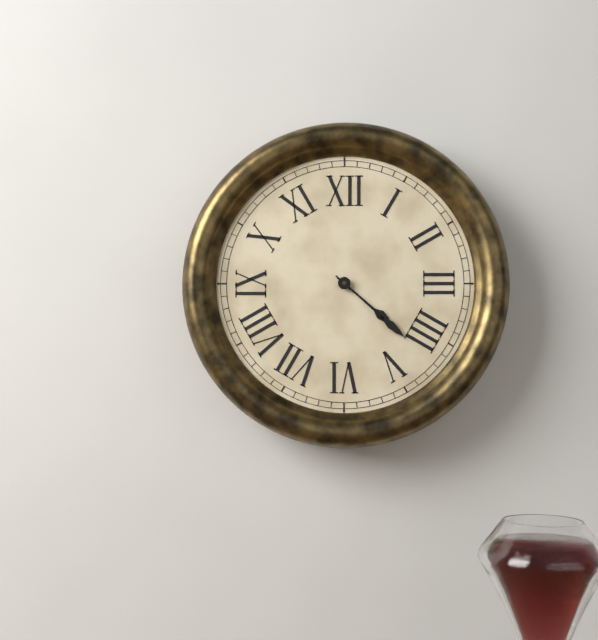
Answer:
4:22
